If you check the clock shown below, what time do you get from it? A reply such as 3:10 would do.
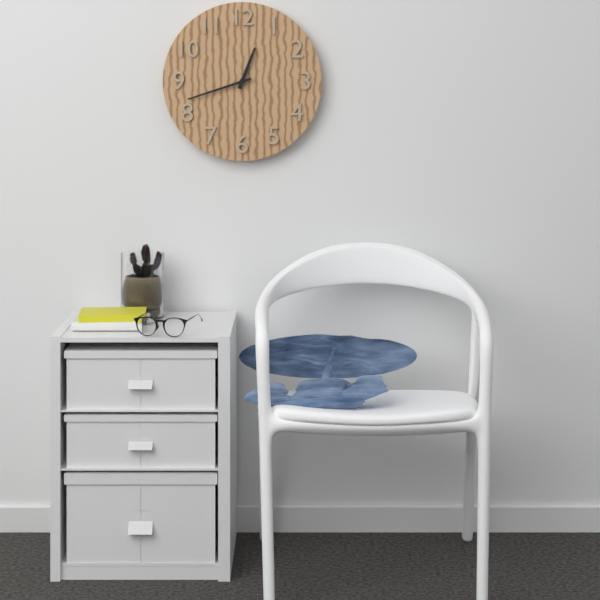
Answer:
12:42
